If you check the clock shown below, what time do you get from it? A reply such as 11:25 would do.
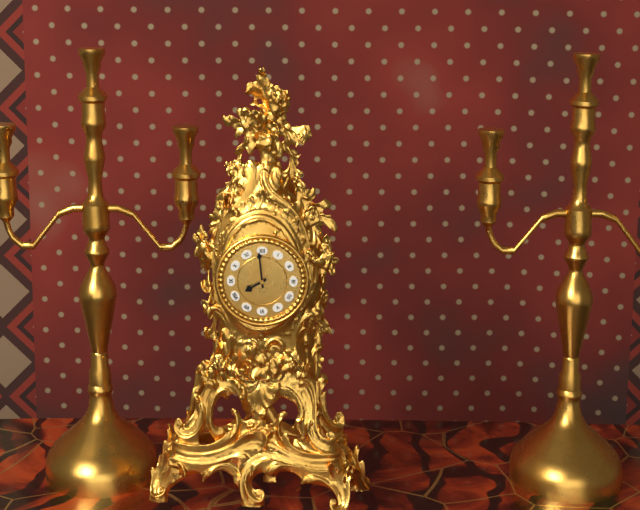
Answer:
7:59
